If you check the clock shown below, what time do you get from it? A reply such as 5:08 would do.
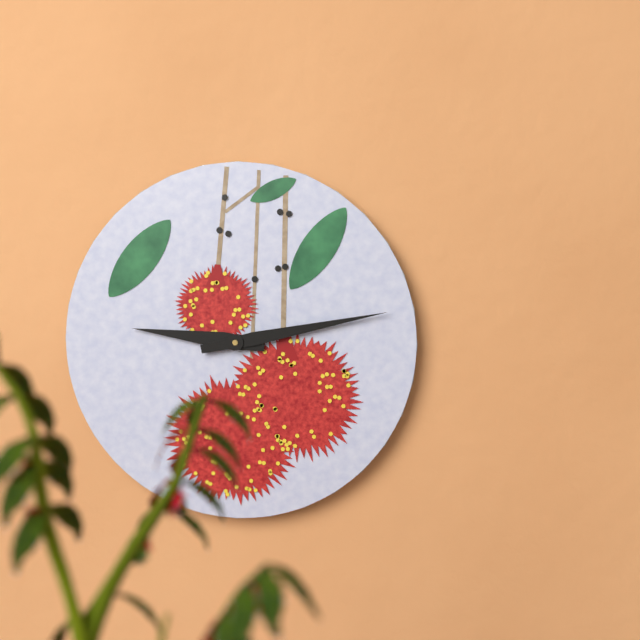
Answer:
9:13
